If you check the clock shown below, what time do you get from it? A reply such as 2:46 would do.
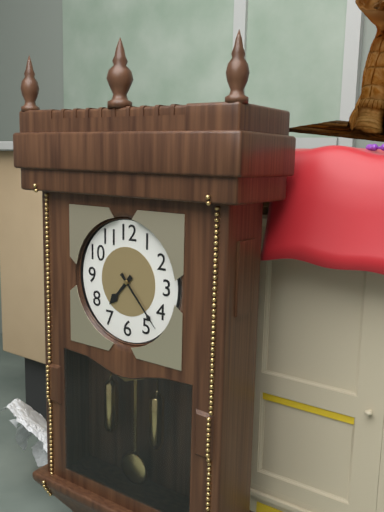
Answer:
7:23
